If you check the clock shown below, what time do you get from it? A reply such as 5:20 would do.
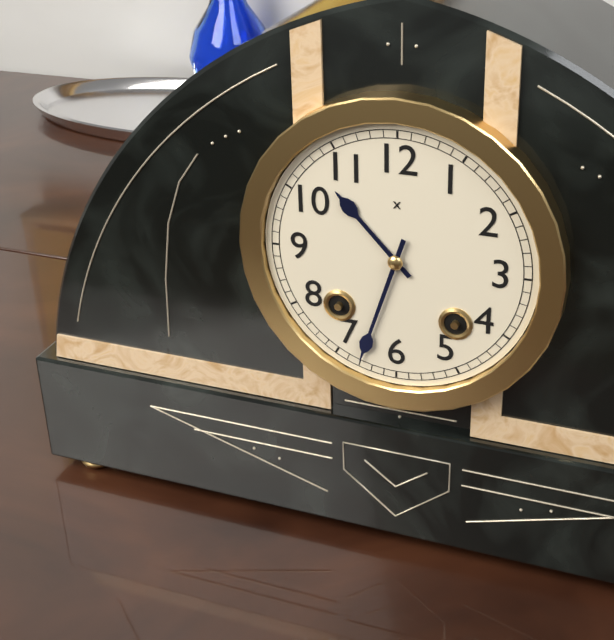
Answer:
10:33
